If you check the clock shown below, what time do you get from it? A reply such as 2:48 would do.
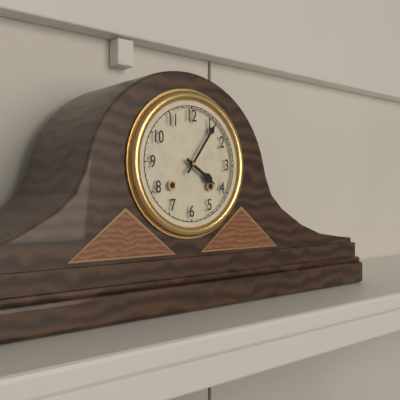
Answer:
4:06
